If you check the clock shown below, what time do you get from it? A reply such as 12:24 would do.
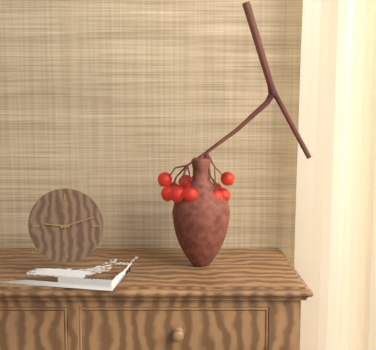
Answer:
9:12
